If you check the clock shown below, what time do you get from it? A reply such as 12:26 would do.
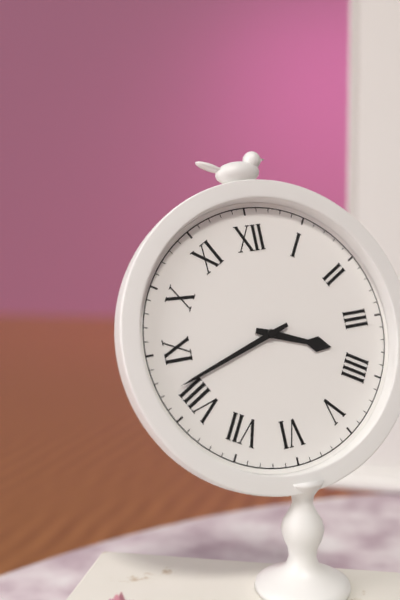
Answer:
3:42
